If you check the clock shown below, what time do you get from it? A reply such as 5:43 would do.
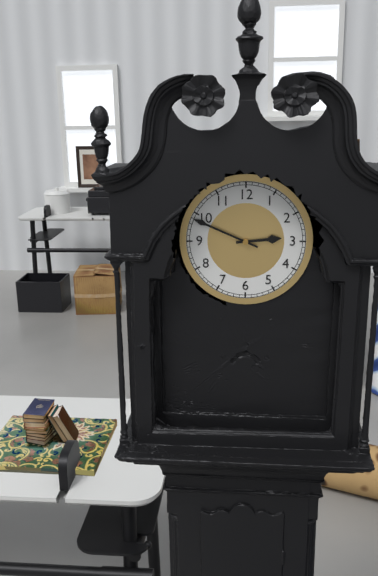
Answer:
2:49
